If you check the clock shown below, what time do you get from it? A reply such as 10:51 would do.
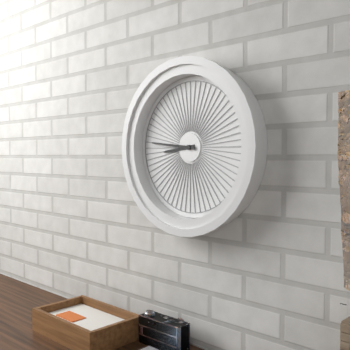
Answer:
8:46
